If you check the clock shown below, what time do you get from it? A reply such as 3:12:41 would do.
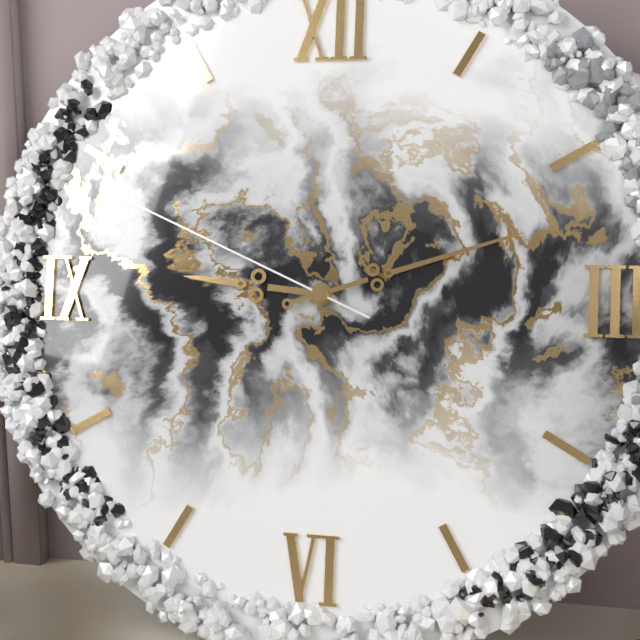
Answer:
9:12:49
